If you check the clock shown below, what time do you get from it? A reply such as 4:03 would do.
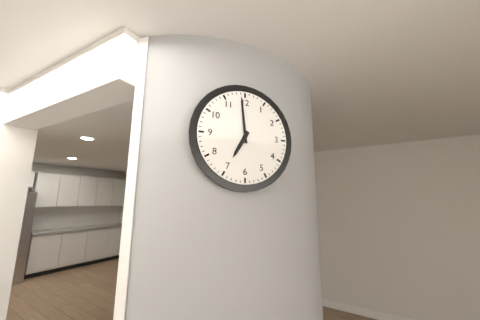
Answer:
6:59
